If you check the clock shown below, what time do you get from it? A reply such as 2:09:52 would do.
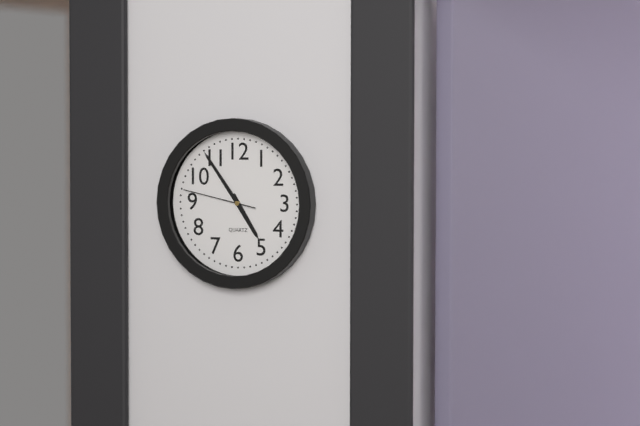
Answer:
4:54:47
